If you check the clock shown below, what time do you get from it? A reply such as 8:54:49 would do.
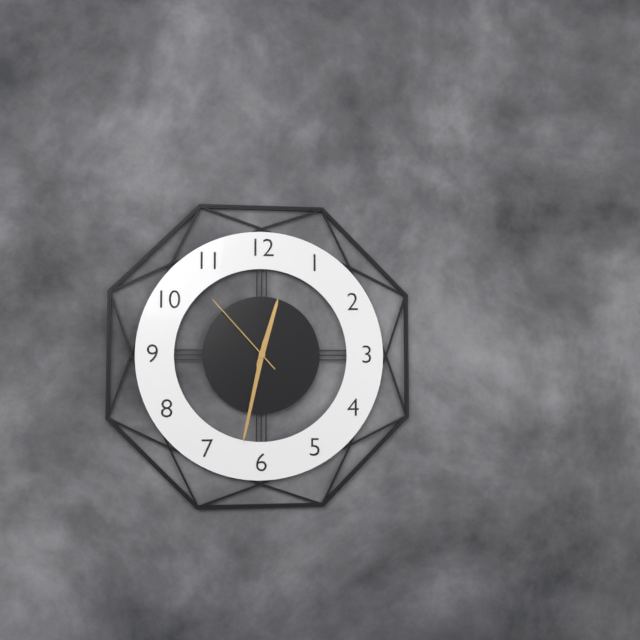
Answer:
12:32:53
